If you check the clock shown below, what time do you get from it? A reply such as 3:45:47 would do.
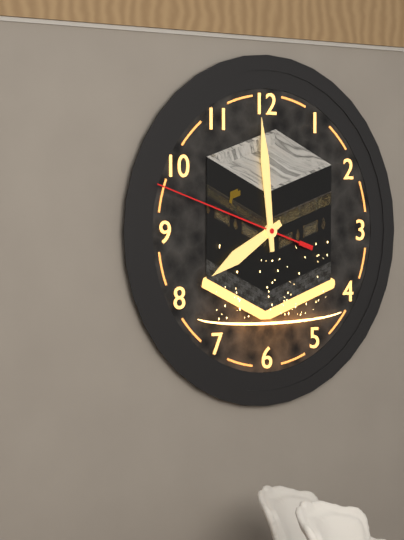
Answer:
7:59:48
